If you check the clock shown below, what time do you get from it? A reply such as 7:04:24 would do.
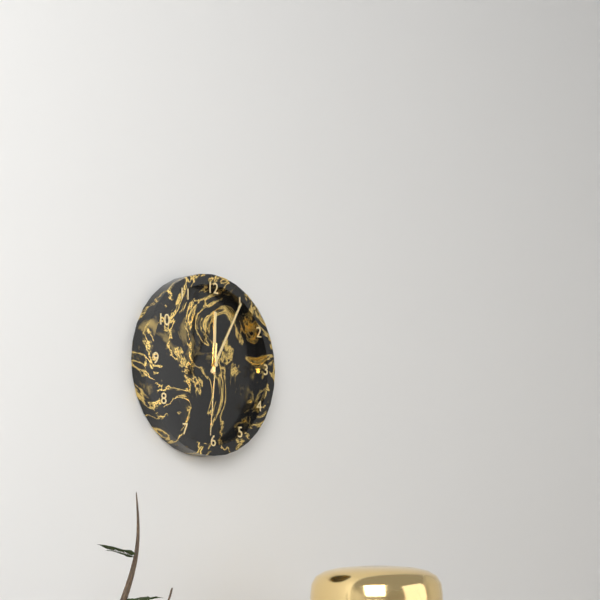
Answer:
12:05:31
